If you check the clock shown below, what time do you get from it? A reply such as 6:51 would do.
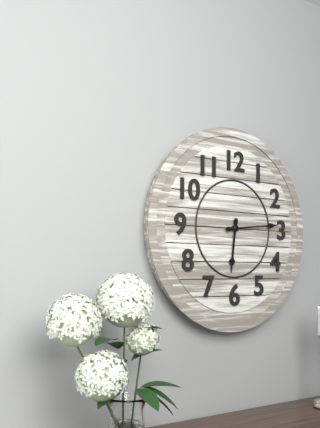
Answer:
6:14
